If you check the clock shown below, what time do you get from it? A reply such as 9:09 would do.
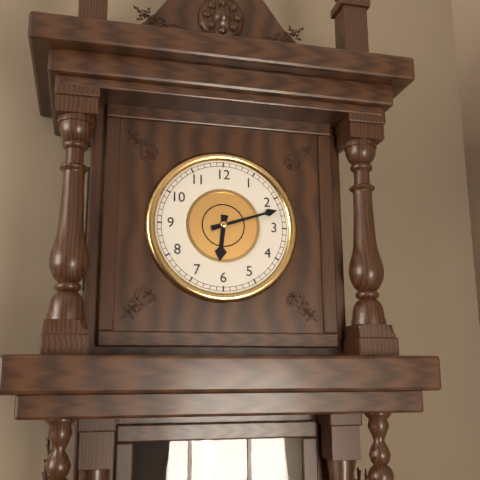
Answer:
6:12
